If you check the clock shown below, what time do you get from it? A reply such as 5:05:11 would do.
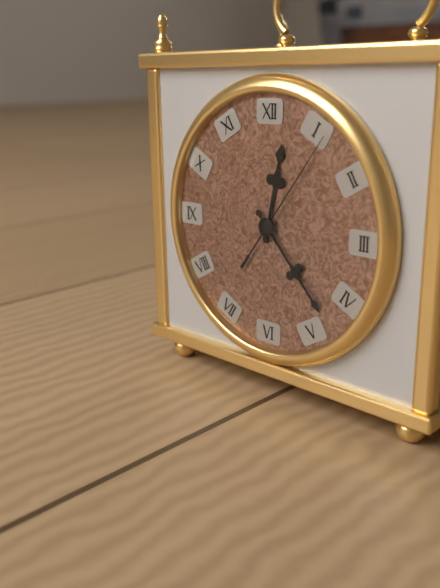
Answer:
12:23:06
